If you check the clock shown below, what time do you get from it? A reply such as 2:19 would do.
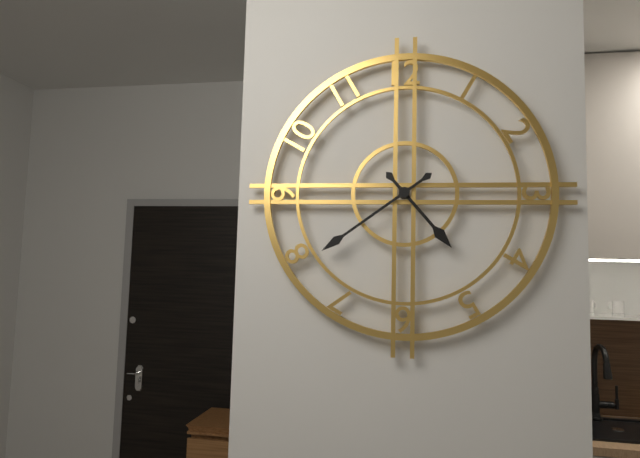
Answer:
4:39
